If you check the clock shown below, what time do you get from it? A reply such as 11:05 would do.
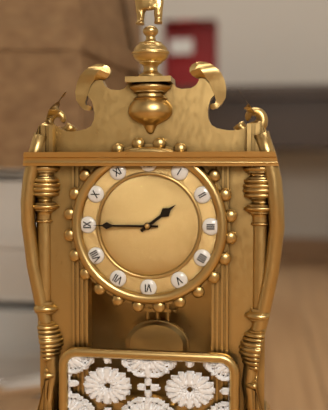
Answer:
1:45
